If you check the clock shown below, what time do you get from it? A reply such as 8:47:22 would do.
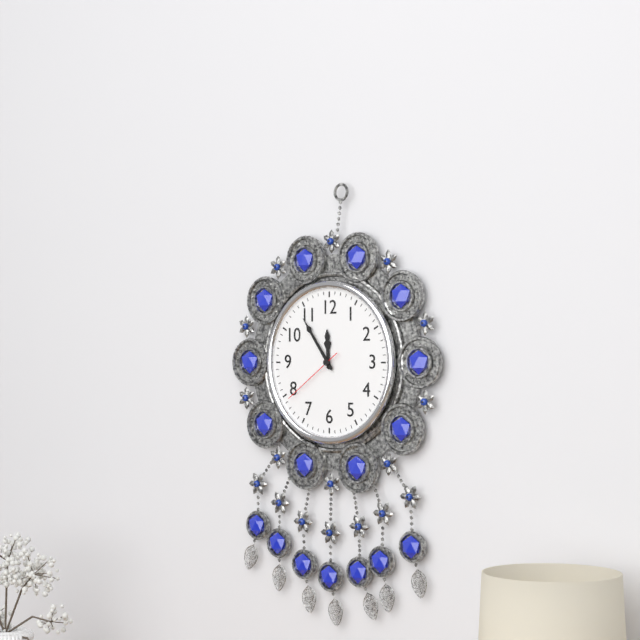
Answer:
11:54:39
